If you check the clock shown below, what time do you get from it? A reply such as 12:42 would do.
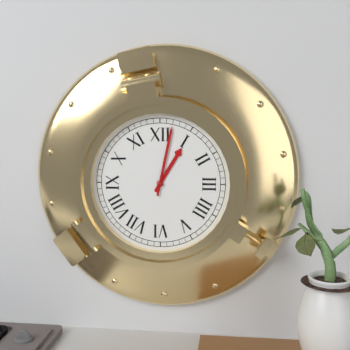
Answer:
1:02
